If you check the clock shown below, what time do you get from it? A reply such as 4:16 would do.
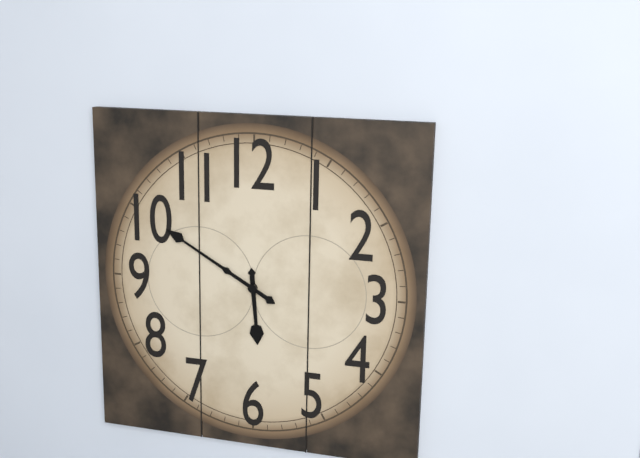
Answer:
5:50
